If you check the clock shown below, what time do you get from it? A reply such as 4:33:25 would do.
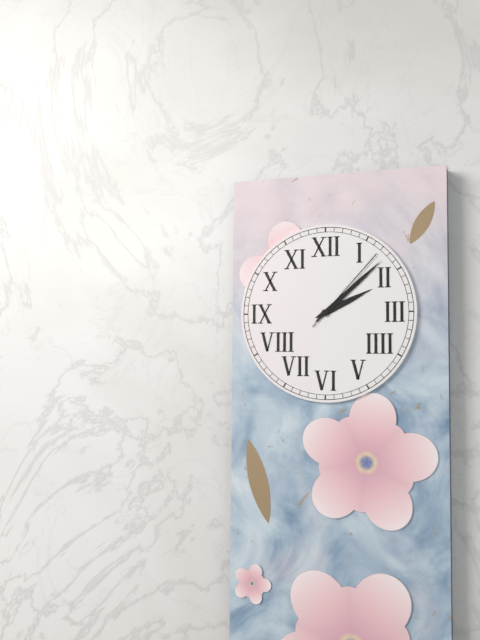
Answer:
2:08:07
